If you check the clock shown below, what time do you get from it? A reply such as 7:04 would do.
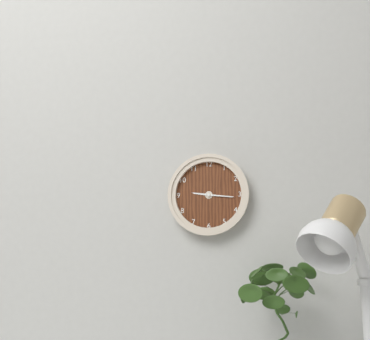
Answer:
9:16
